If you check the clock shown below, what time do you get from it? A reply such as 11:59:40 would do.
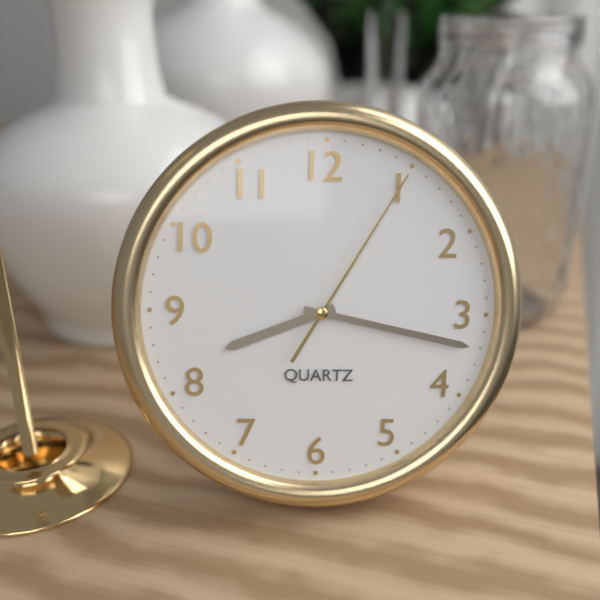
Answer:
8:17:05
